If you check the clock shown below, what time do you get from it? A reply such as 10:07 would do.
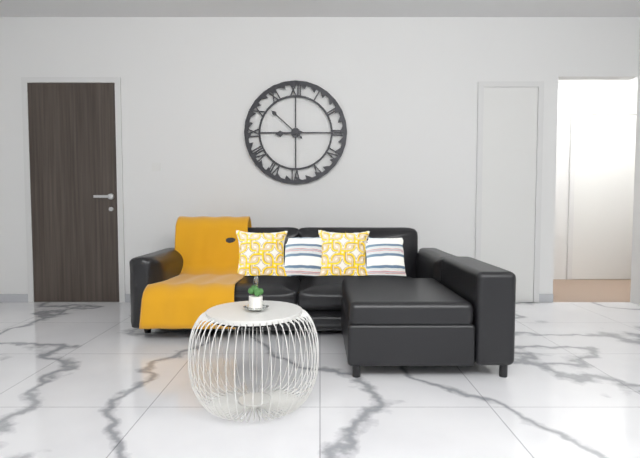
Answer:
8:52
